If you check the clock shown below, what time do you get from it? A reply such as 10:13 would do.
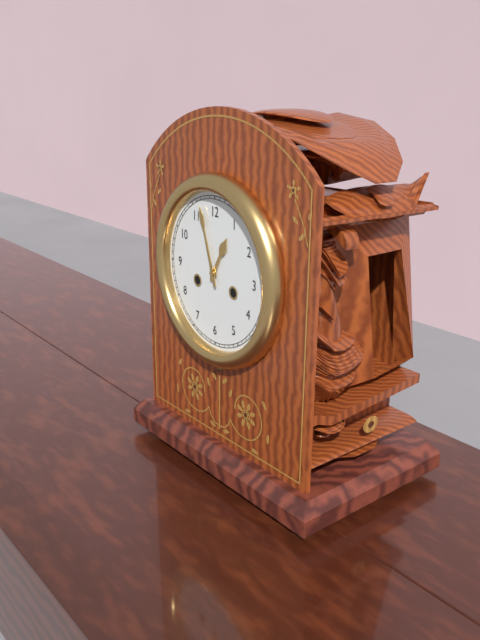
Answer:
12:57
